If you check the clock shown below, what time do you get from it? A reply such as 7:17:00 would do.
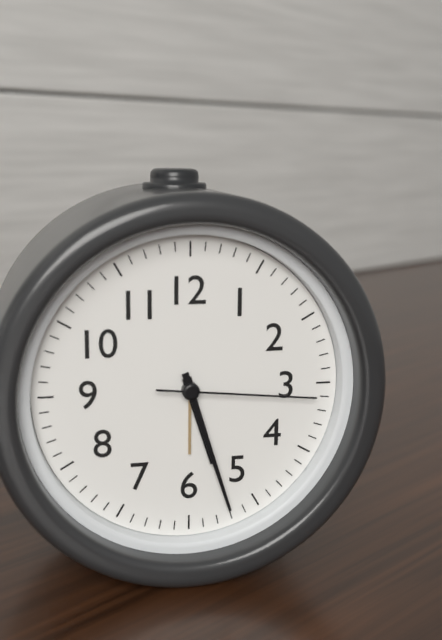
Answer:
5:27:16
